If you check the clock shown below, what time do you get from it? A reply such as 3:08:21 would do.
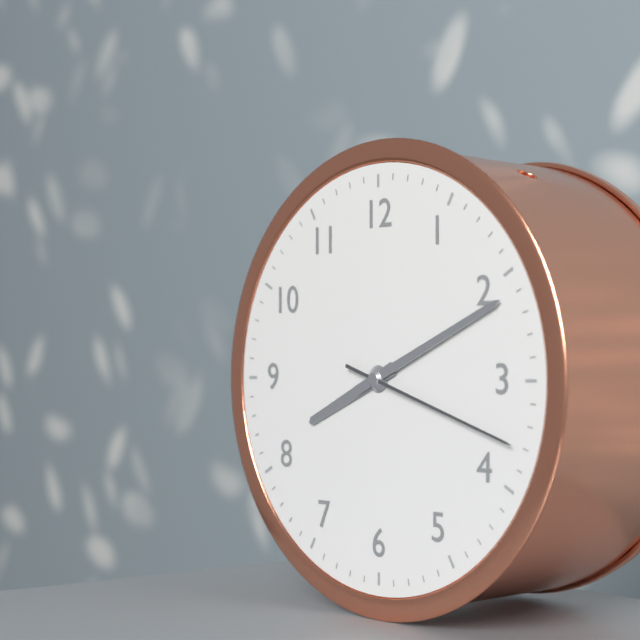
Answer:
8:11:18
